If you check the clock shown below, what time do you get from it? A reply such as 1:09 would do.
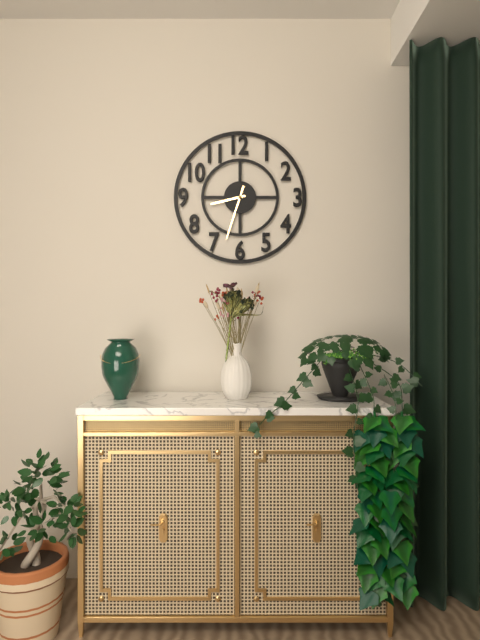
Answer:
8:33
